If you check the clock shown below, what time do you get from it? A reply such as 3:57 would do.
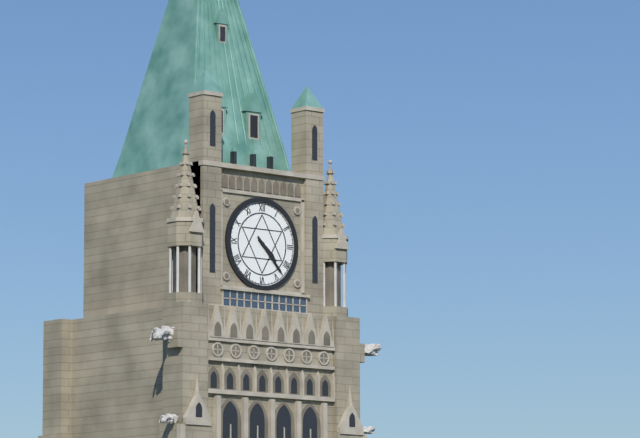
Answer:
4:23
